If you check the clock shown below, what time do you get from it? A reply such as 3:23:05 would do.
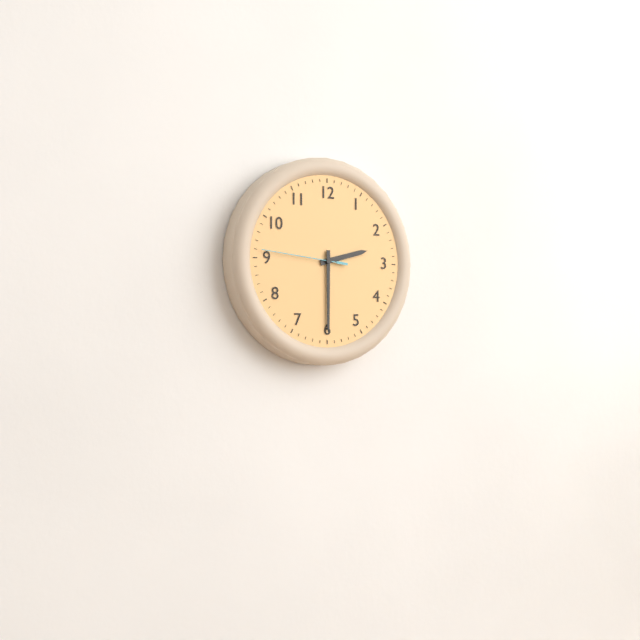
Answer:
2:30:46
